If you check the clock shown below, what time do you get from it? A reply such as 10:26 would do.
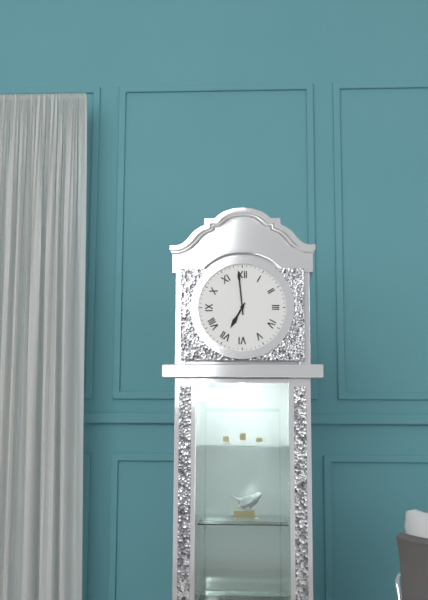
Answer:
6:59
